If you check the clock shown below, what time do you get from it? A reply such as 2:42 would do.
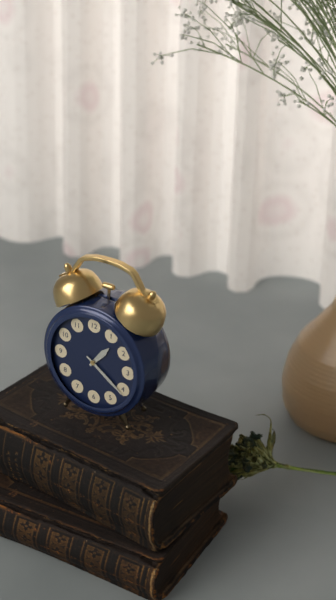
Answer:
1:21
